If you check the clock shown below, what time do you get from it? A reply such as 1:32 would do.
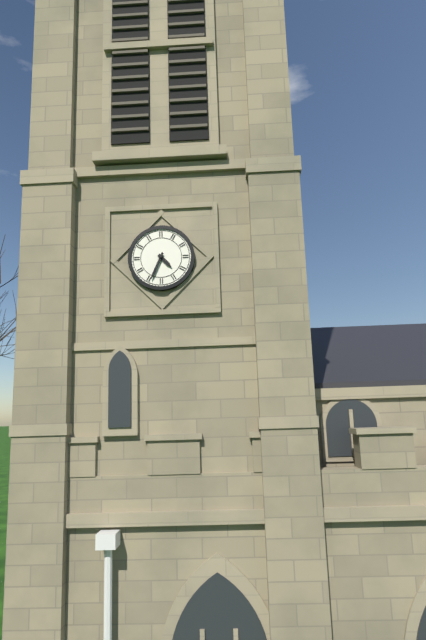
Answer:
4:34
